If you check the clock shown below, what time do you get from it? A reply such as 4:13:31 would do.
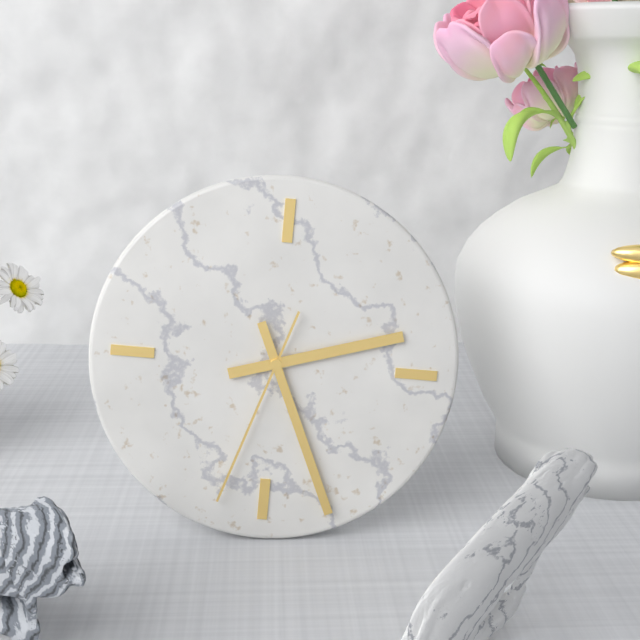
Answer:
2:26:33
